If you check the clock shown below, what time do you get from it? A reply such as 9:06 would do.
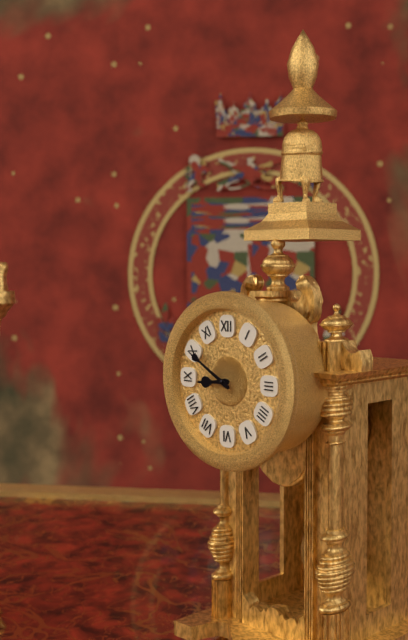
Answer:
8:50
